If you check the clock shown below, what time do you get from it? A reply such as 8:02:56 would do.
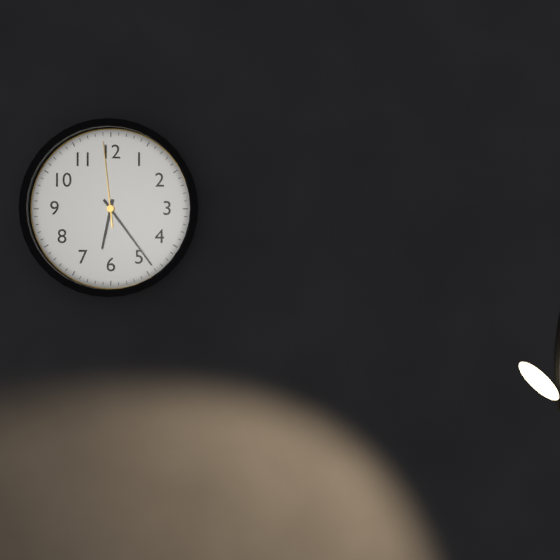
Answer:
6:24:59
